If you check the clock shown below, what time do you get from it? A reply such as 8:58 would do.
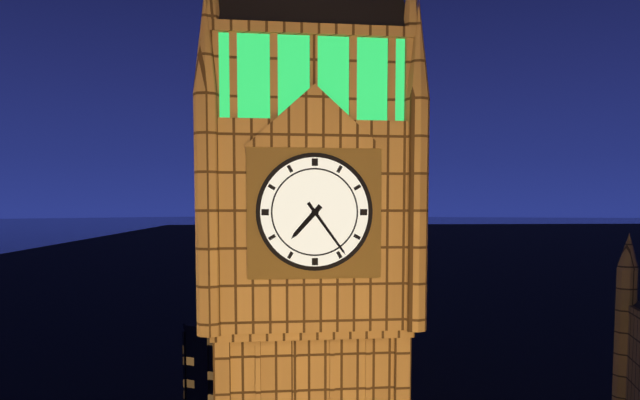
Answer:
7:24
